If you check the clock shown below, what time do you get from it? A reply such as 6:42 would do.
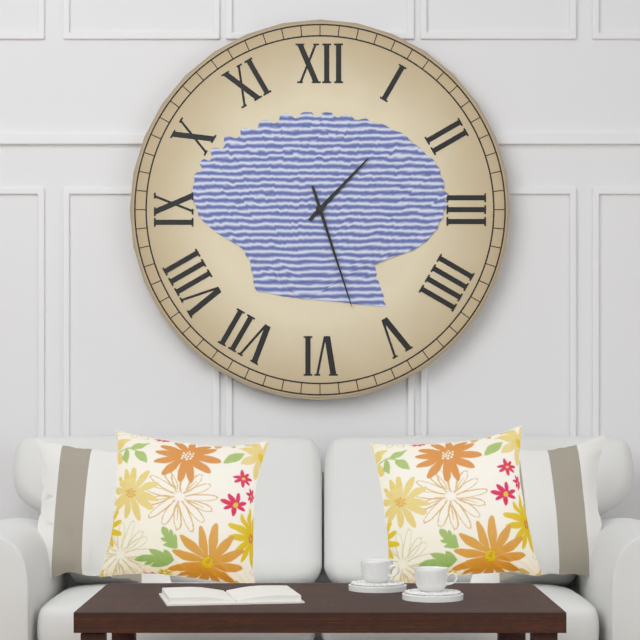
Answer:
1:27
